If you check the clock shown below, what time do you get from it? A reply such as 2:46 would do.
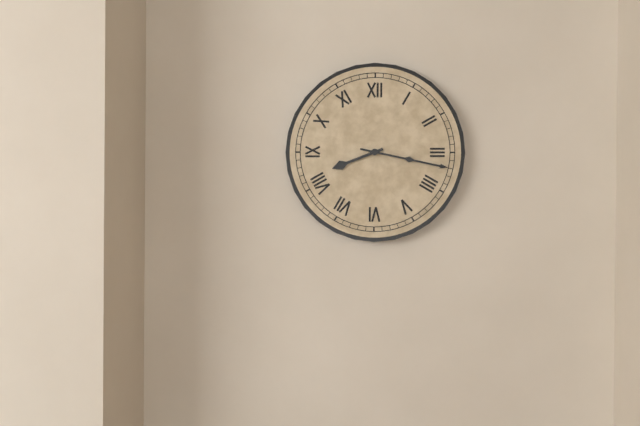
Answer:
8:17
